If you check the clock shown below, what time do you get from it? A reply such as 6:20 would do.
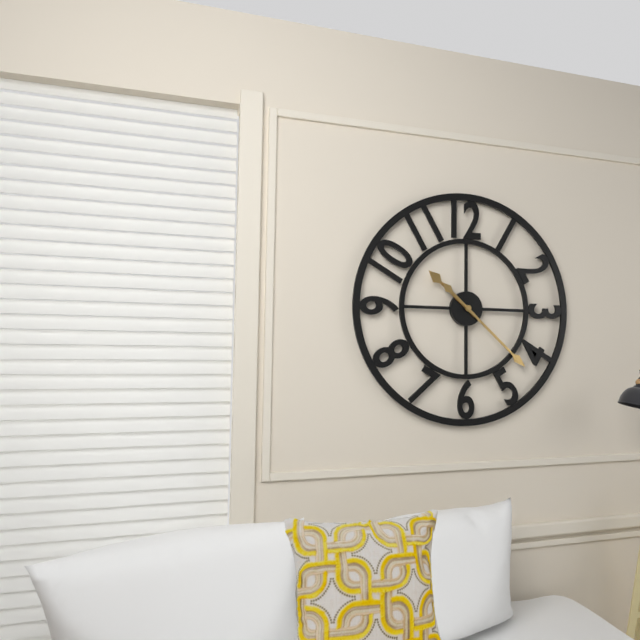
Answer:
10:22
